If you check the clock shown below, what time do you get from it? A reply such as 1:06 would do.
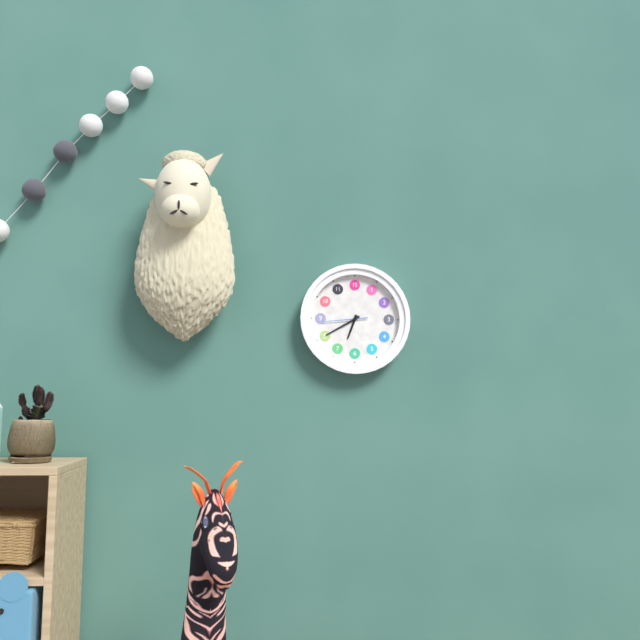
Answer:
6:40
